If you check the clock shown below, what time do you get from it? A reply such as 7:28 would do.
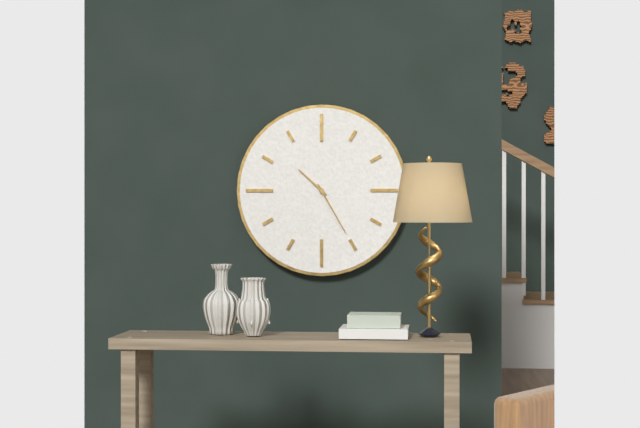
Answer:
10:25
